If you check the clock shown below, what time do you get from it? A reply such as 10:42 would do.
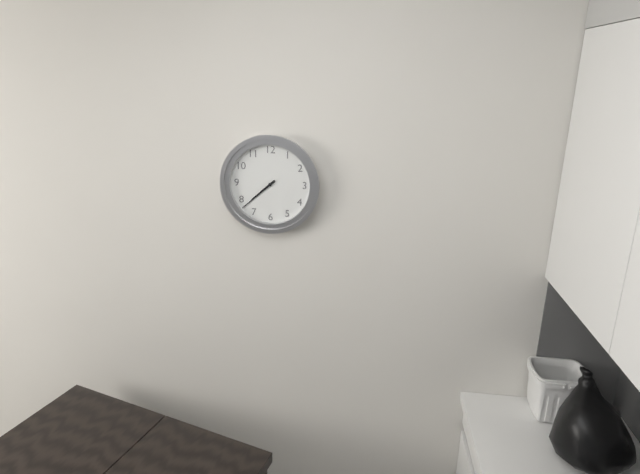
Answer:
7:38
